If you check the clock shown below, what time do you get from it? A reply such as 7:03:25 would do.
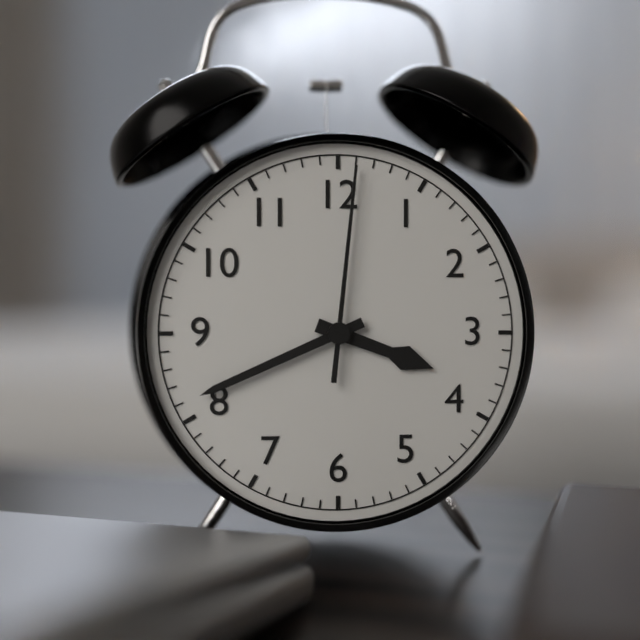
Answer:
3:41:01
